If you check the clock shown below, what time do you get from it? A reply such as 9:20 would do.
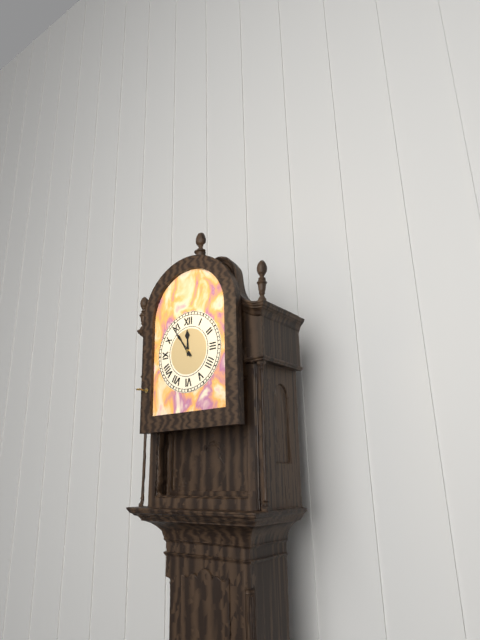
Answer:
11:54
